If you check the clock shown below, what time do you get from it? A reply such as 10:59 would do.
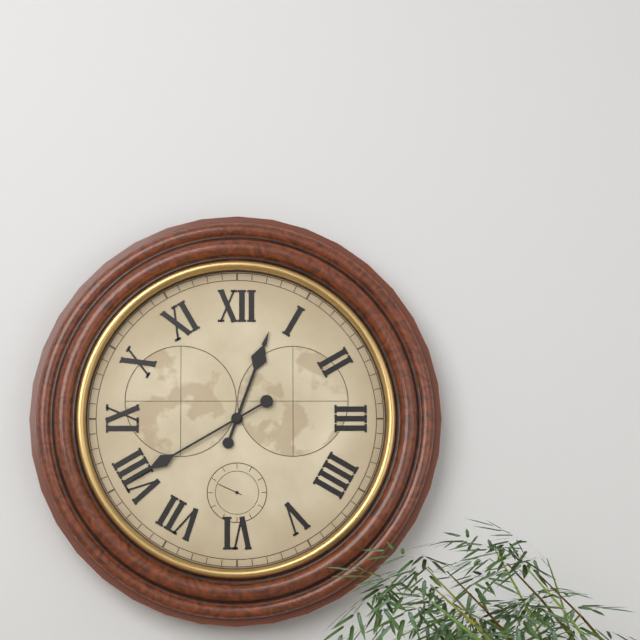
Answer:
12:40
